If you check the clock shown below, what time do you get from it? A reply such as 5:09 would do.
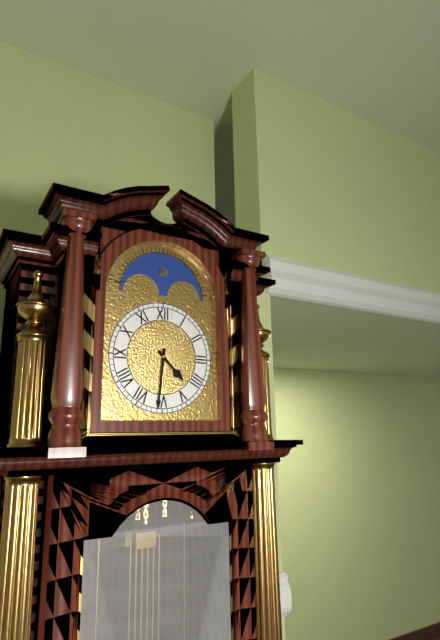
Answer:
4:31
